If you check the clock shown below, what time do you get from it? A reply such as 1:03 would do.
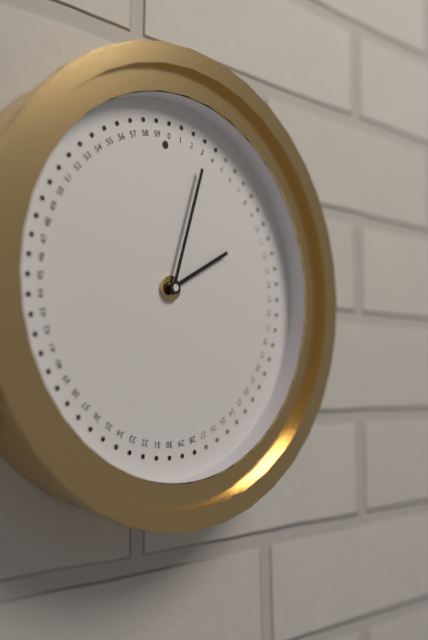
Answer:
2:03
